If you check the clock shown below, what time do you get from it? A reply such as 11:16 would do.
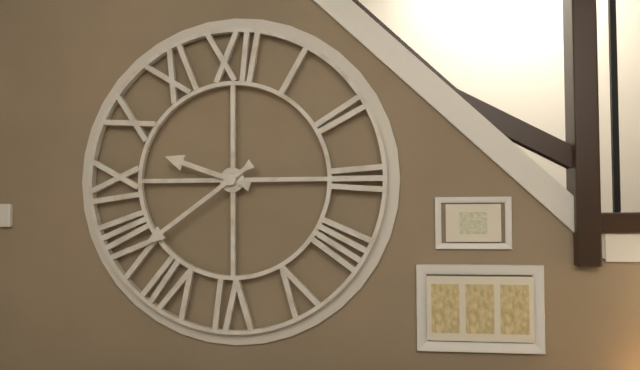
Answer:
9:39
